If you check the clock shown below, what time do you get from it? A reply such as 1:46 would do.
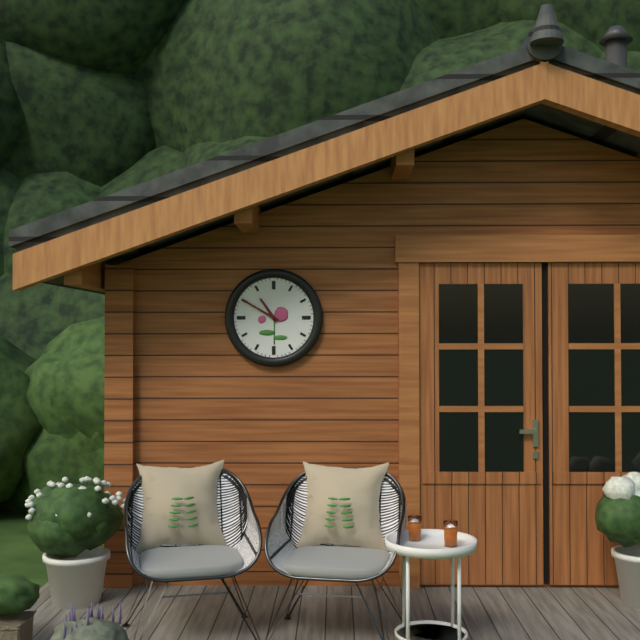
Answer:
10:50
